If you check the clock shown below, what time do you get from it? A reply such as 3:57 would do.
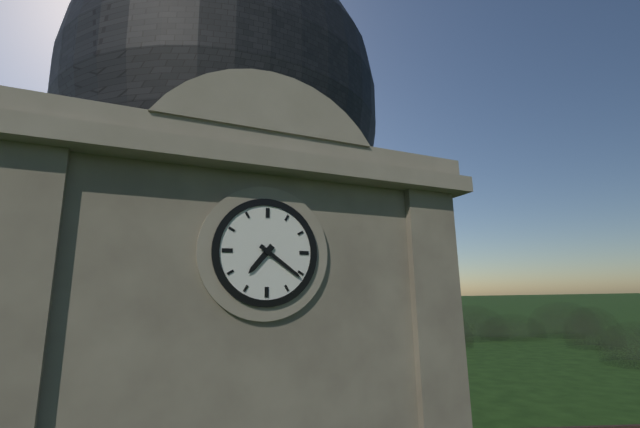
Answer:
7:21
